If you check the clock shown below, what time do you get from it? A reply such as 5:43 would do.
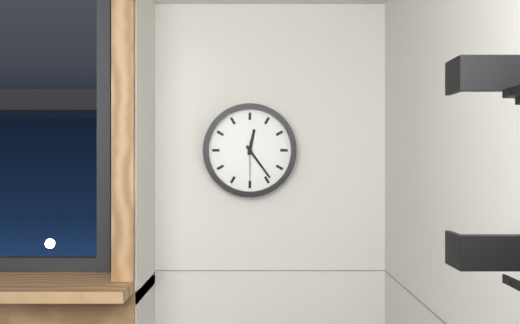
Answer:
12:24
